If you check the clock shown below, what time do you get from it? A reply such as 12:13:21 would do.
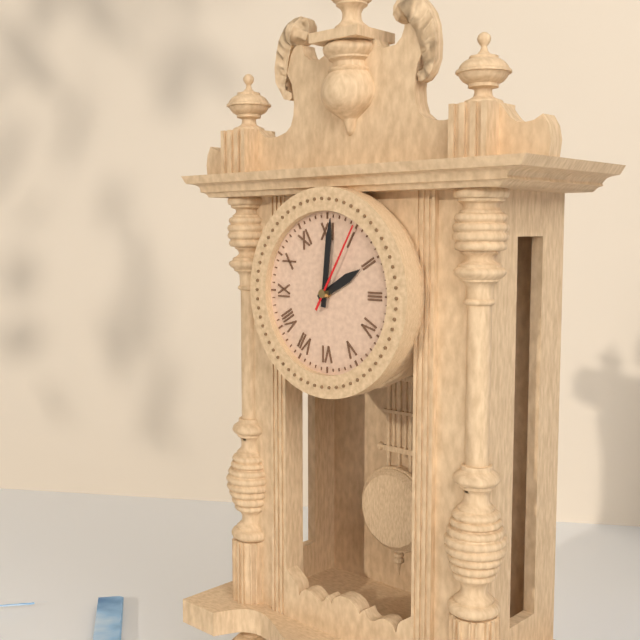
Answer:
2:01:05
